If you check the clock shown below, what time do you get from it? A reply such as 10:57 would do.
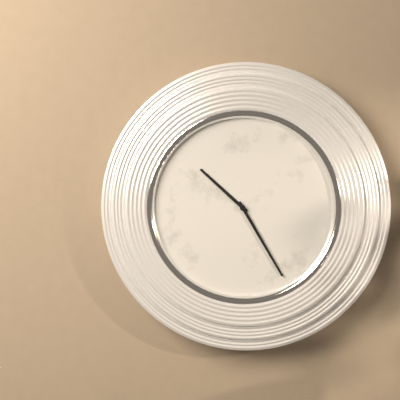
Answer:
10:25
